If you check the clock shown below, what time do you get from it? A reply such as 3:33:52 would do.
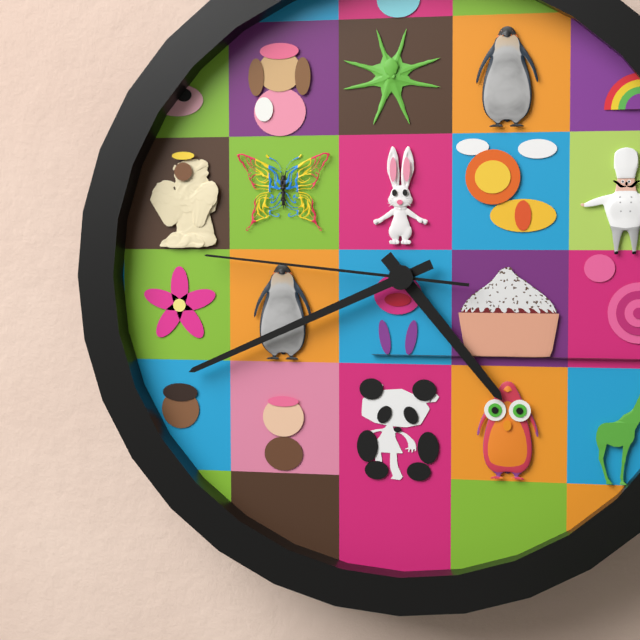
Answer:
4:41:46
